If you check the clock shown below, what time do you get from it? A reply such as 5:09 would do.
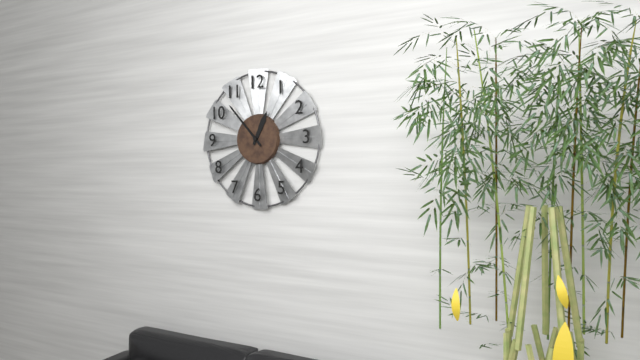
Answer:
12:53
